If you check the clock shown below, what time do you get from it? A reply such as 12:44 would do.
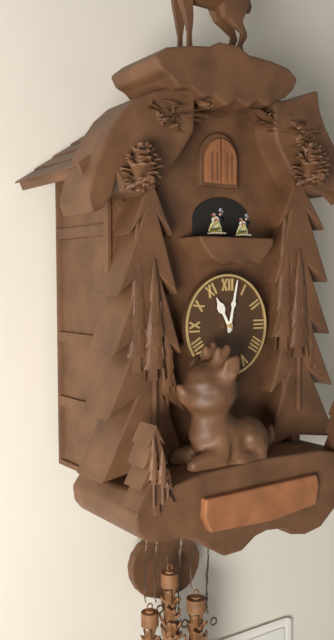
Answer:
11:02
